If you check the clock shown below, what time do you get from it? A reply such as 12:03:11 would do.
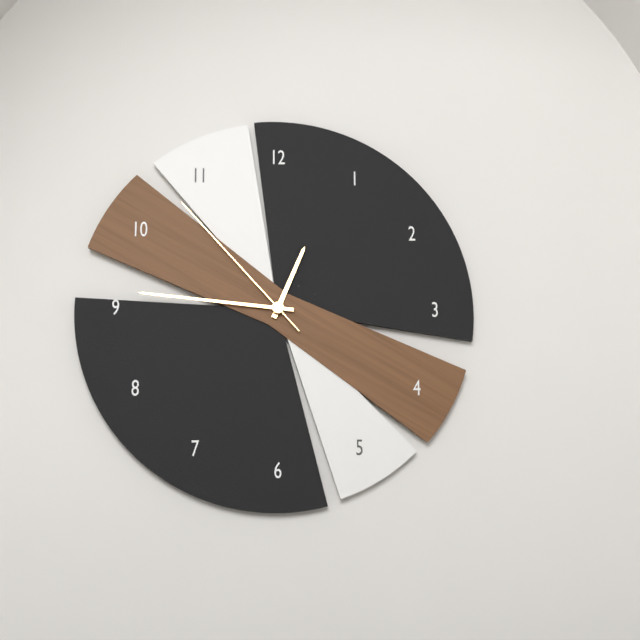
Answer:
12:46:53
